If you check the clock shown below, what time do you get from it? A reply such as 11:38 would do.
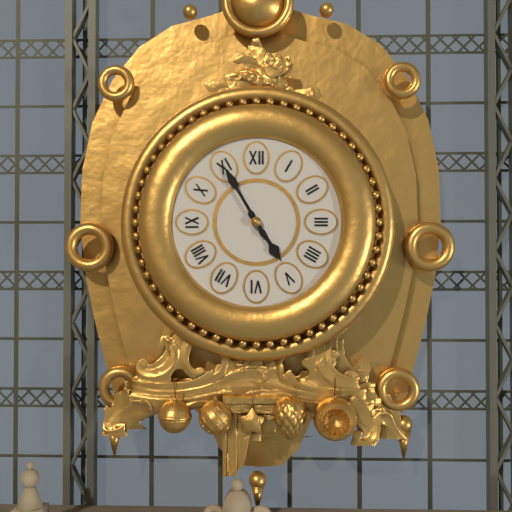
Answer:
4:55
